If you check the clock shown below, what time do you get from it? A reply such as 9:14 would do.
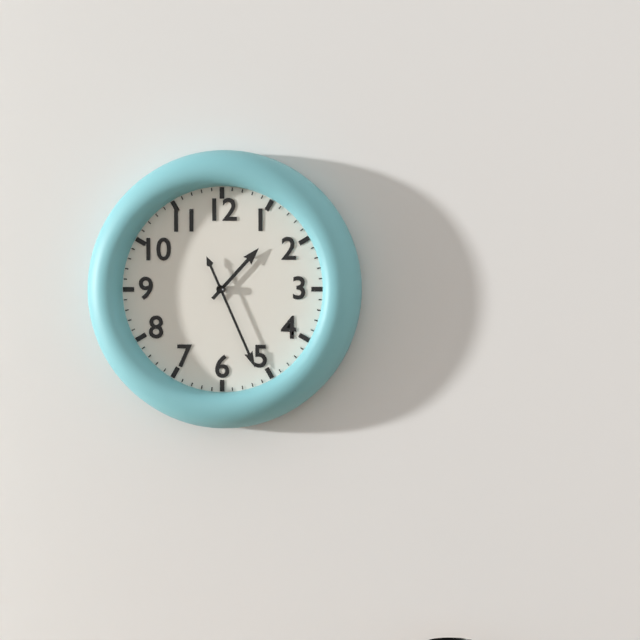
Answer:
1:26
